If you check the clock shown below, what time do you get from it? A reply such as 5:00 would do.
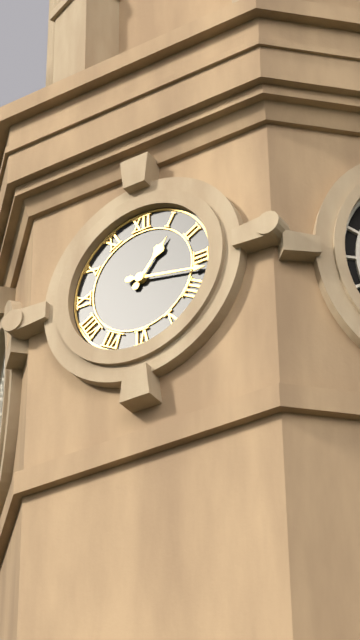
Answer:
1:17
